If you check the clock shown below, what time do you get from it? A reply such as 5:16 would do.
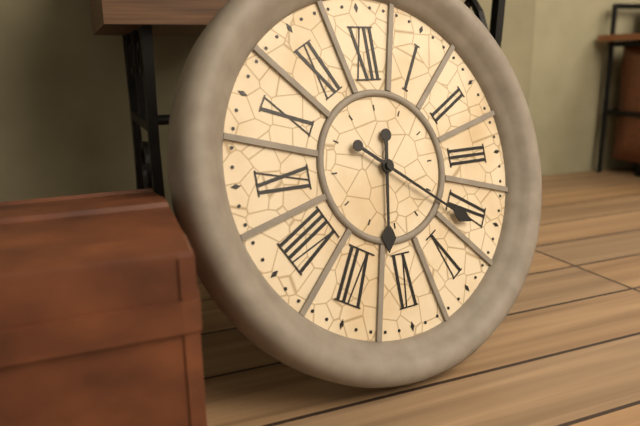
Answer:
6:21
